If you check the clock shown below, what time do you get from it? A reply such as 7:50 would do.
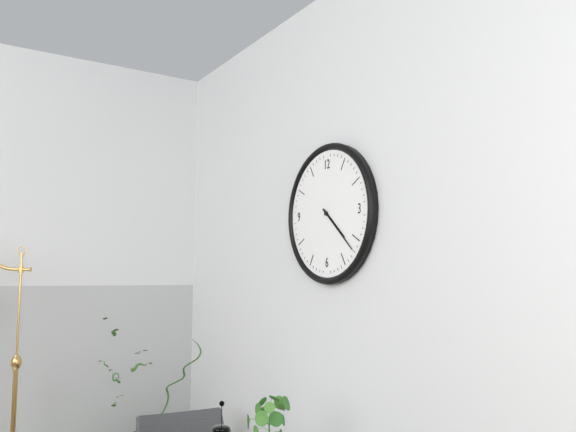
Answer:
4:22
